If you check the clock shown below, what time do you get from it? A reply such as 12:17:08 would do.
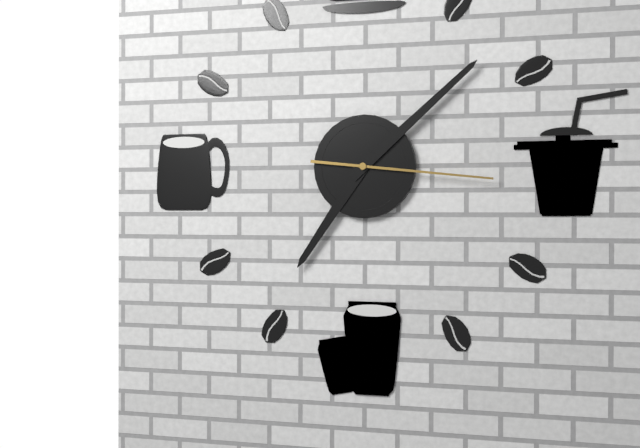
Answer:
7:08:16
